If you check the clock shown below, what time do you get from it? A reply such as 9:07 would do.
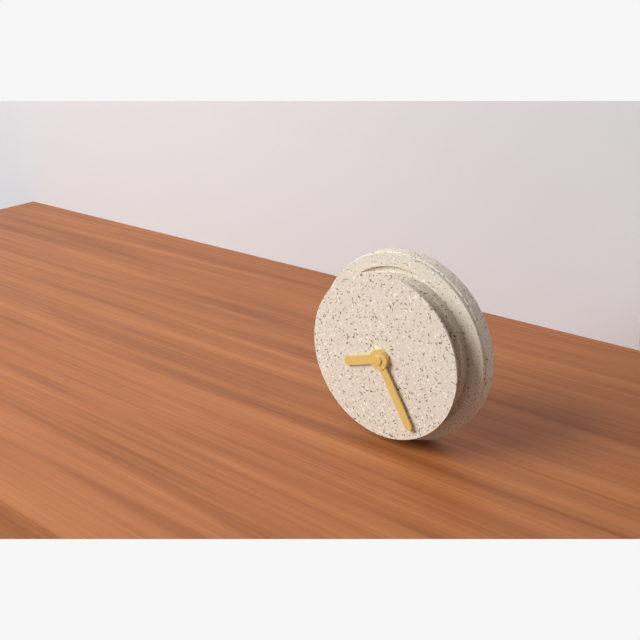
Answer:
8:25
